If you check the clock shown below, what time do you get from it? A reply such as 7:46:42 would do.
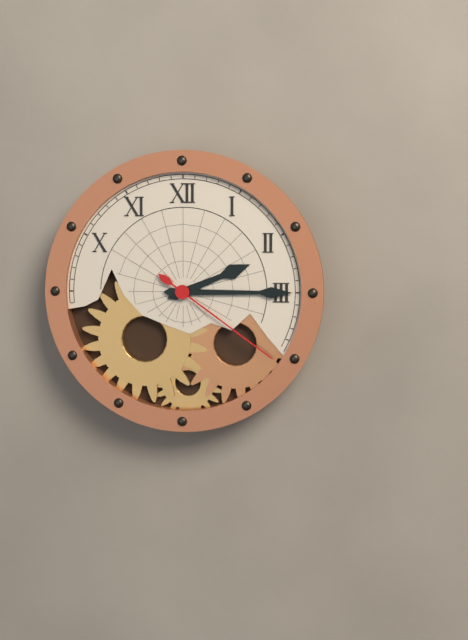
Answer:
2:15:21
